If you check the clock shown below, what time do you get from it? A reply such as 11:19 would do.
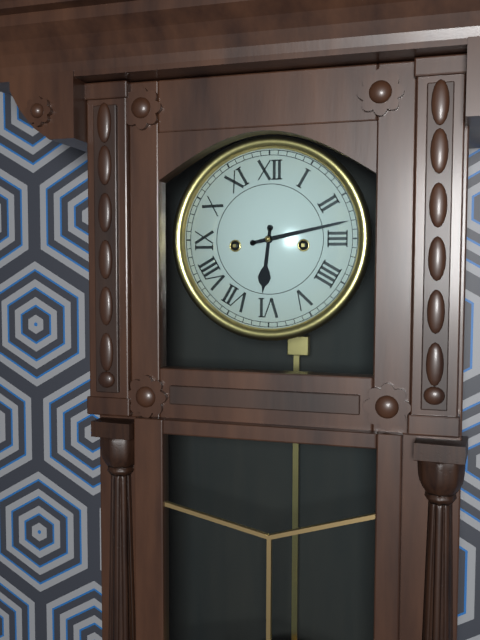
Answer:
6:13
